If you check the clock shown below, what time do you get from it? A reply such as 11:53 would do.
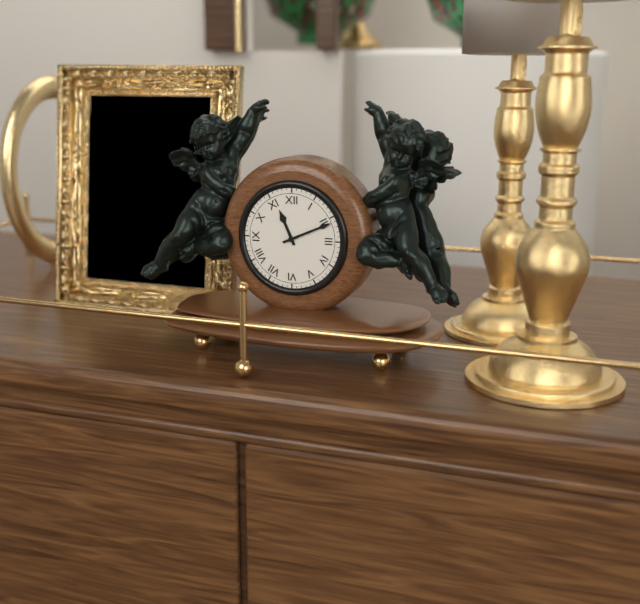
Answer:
11:11
